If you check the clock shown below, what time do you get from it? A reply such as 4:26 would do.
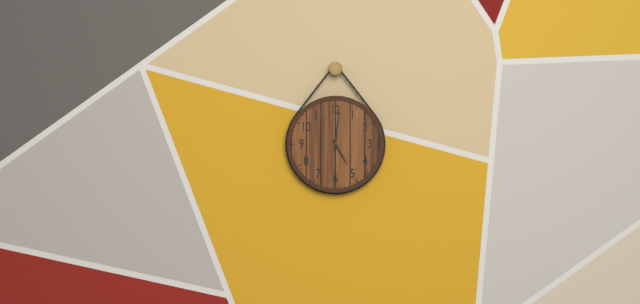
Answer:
5:01
